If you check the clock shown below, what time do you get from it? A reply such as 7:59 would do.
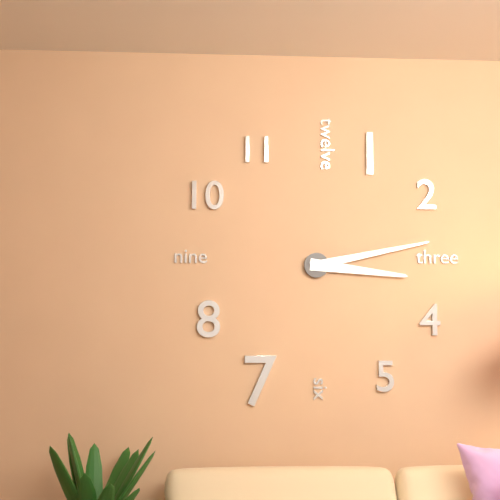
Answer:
3:13
